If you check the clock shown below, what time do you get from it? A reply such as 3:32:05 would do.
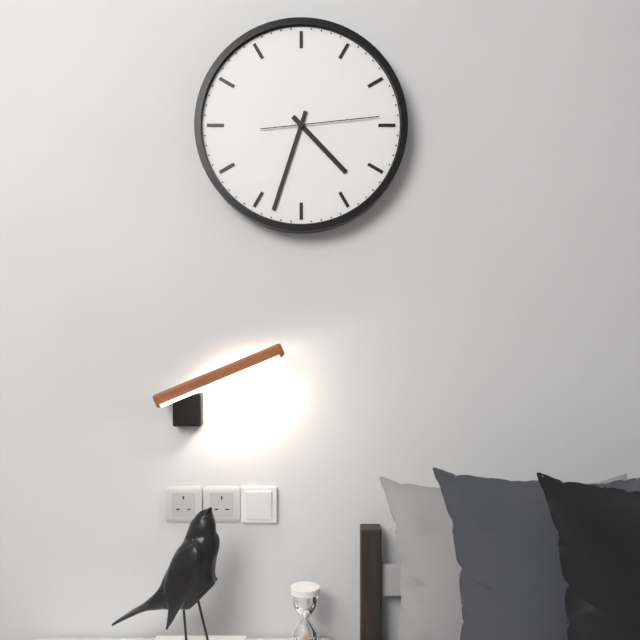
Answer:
4:33:14
